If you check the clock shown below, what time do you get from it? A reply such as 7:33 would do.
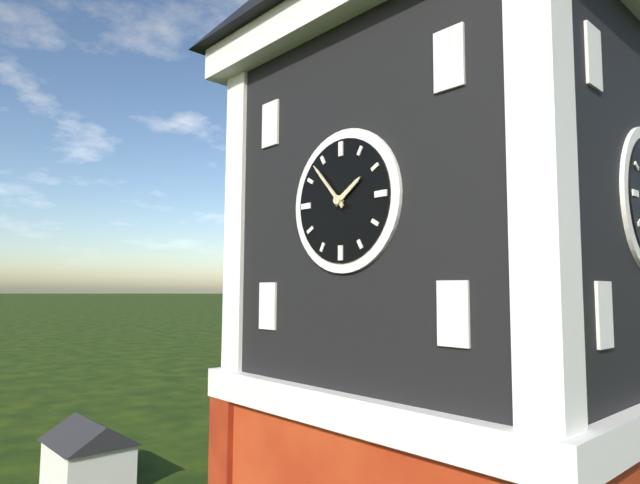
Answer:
1:53
